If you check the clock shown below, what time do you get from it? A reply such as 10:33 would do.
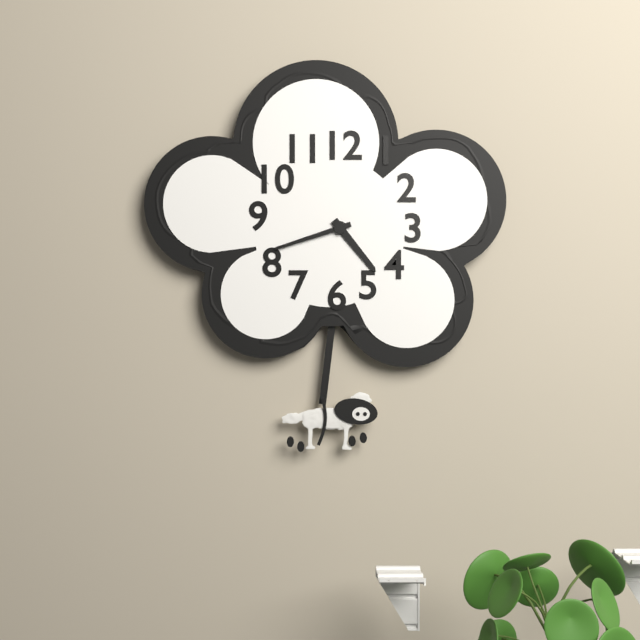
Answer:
4:42
